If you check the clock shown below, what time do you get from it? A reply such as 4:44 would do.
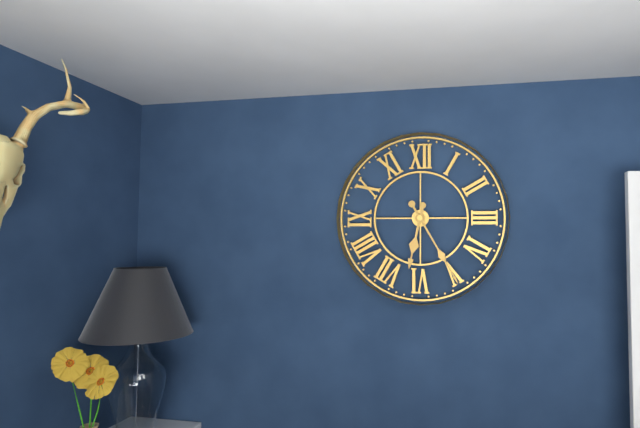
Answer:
6:25
